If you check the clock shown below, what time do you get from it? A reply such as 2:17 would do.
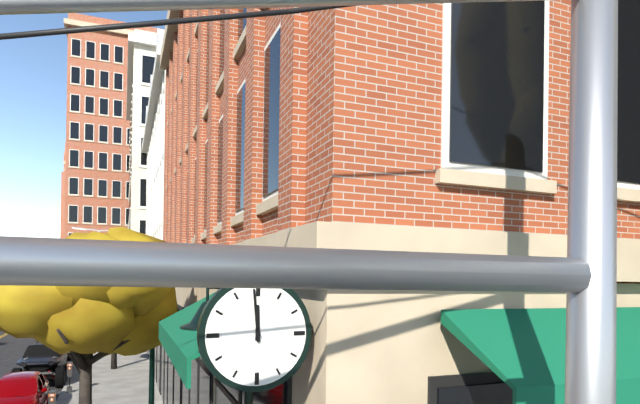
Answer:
11:59
